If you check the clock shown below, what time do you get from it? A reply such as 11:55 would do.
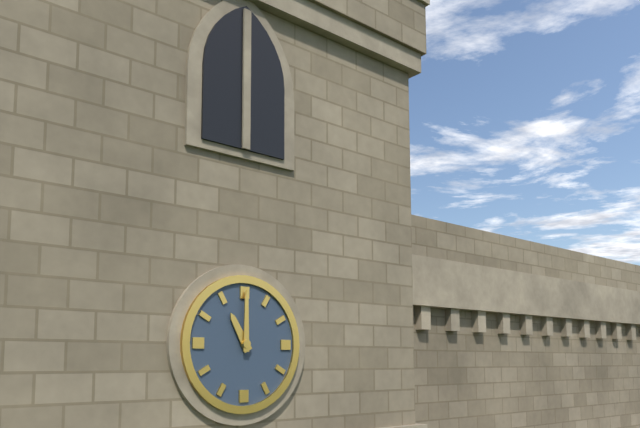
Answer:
11:00
